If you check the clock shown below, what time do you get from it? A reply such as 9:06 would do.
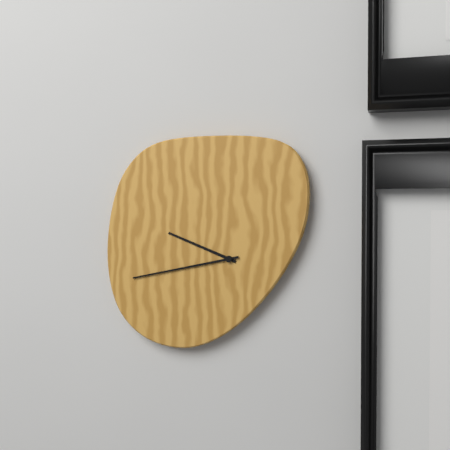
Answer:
9:43
